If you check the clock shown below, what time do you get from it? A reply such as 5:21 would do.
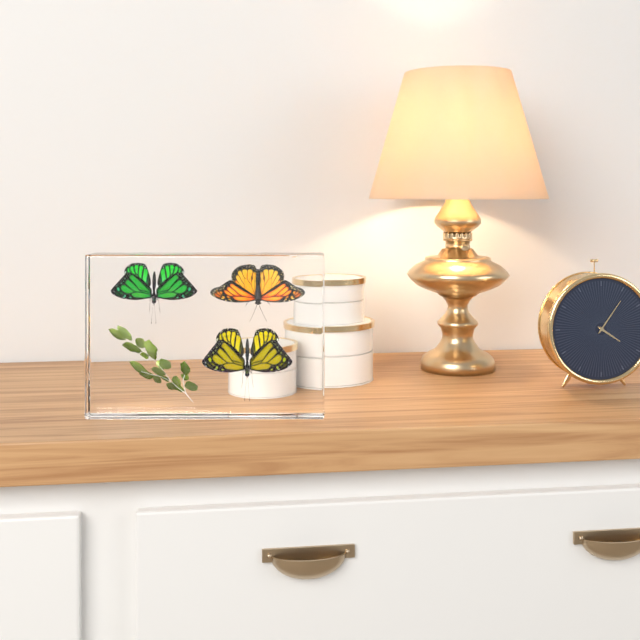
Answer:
4:06
